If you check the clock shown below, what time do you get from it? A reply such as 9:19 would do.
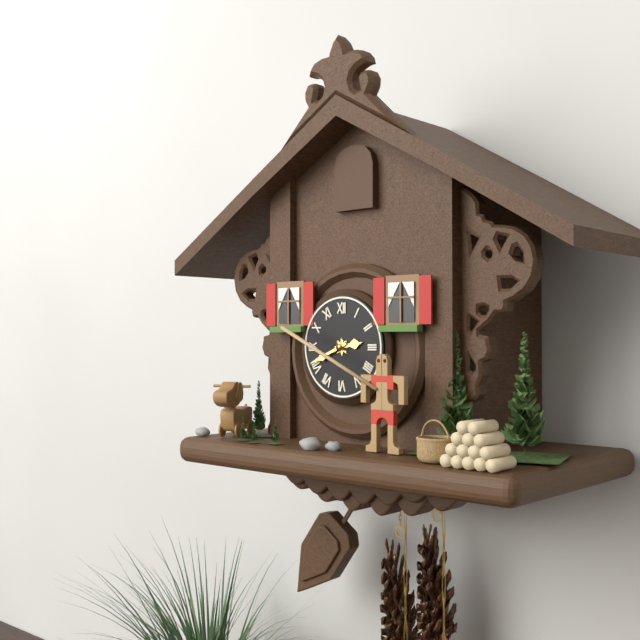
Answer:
2:41
